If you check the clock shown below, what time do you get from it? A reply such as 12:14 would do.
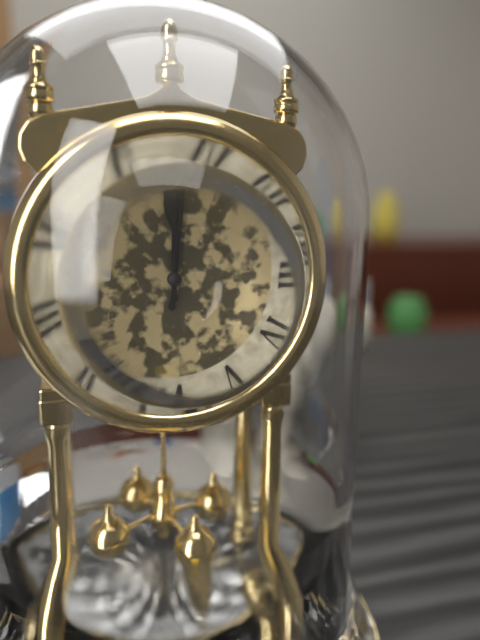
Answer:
12:01
